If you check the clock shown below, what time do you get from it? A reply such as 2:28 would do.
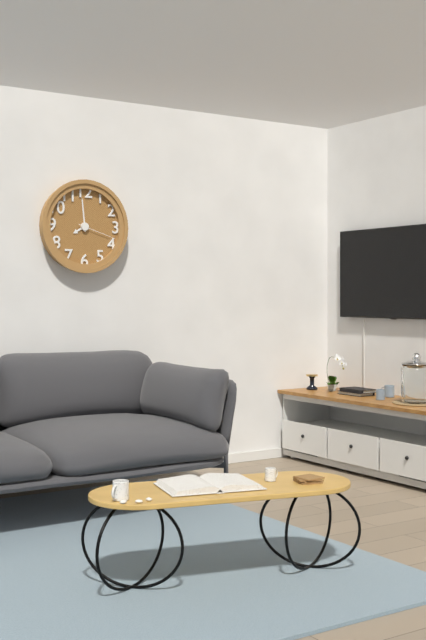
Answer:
7:59
